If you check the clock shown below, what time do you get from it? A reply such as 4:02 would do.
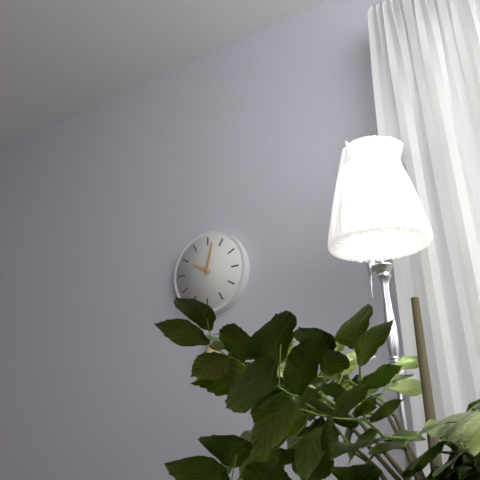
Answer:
10:02
